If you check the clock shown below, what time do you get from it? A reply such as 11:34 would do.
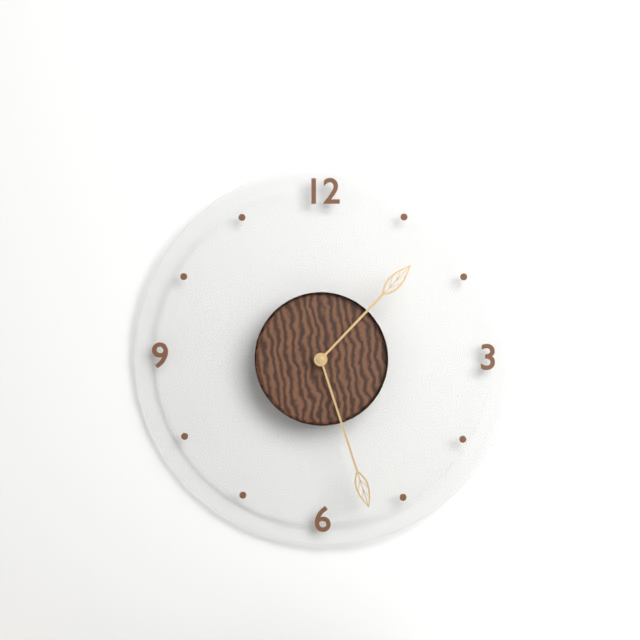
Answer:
1:27
